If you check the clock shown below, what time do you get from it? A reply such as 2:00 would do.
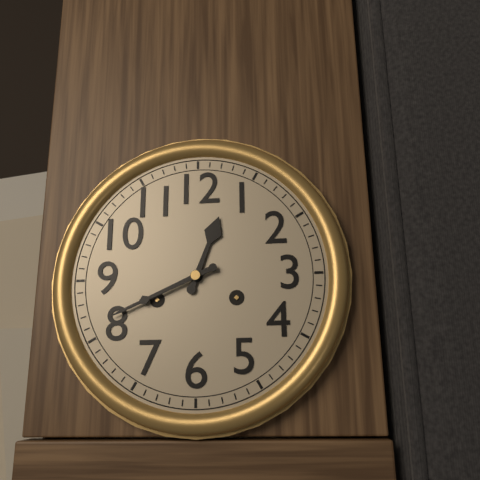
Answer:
12:41
